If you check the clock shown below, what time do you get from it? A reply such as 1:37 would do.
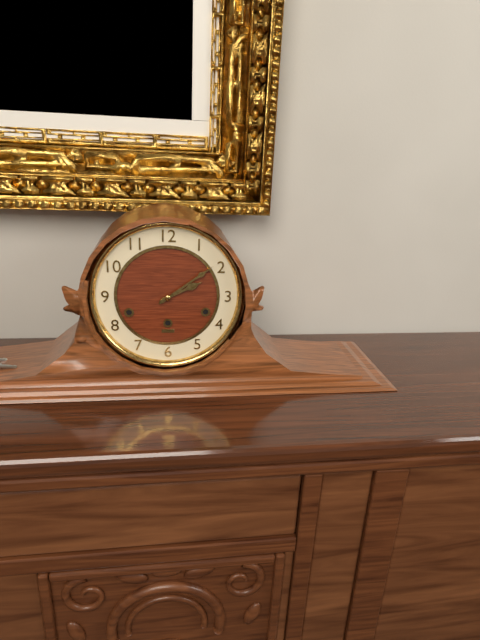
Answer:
2:09
